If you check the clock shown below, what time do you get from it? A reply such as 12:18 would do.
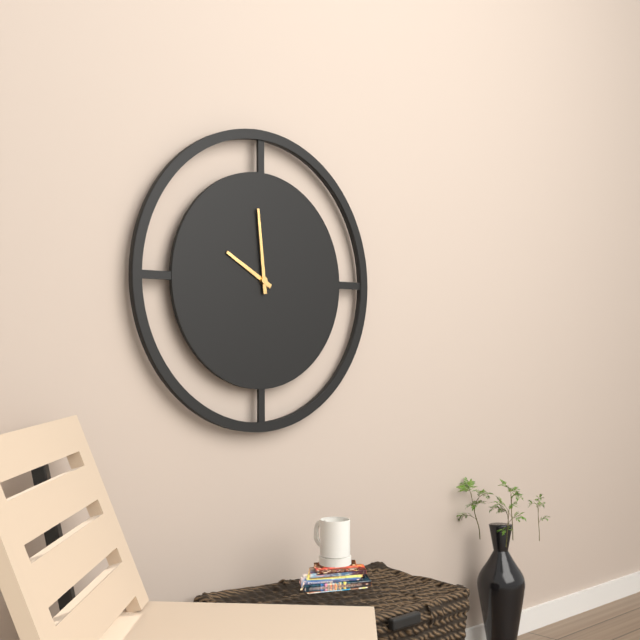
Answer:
9:59
